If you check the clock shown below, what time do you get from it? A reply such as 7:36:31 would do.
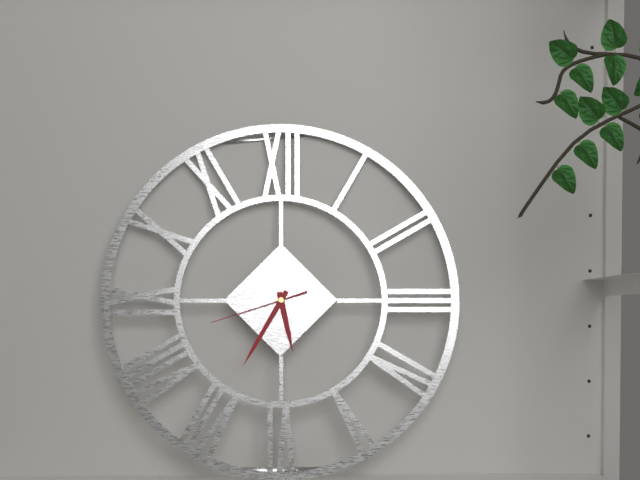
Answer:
5:35:42
